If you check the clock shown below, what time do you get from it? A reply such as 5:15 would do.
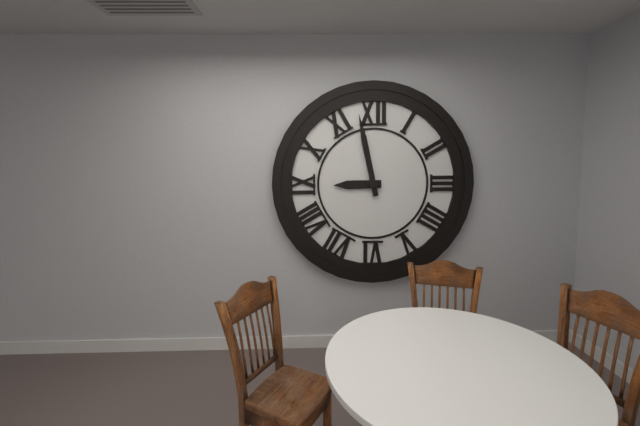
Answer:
8:58
